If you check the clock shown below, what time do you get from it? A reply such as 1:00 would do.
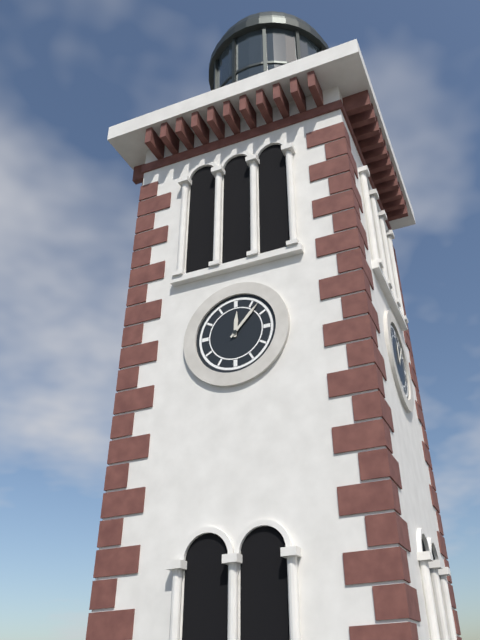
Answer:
12:07
